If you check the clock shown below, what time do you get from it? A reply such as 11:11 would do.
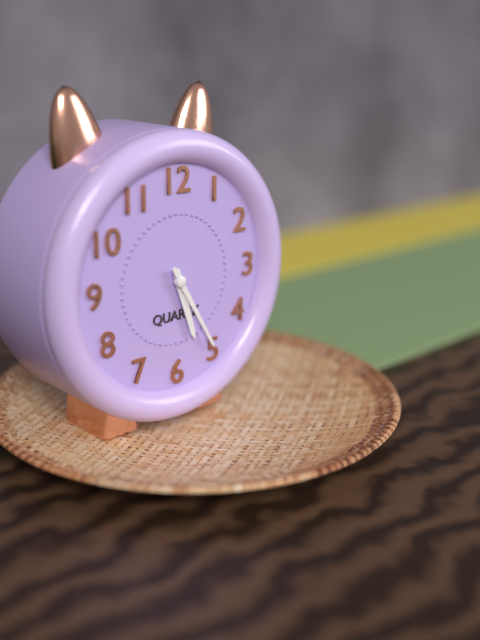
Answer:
5:25
